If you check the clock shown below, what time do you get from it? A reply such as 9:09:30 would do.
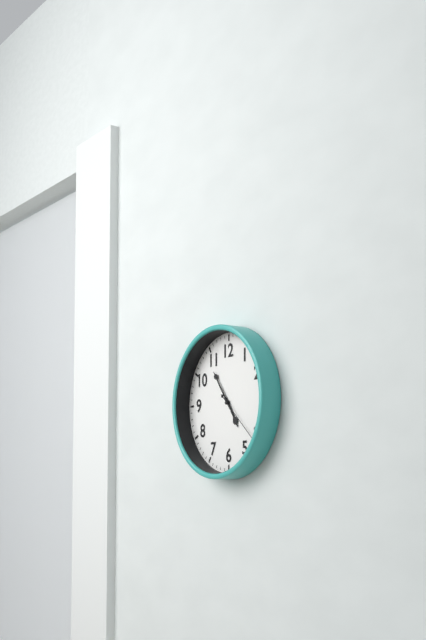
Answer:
4:54:22
